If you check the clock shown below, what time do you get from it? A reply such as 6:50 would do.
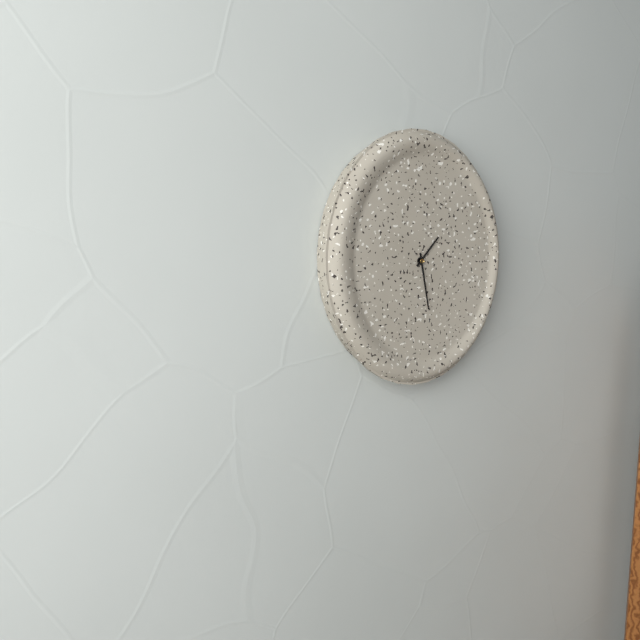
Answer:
1:28
